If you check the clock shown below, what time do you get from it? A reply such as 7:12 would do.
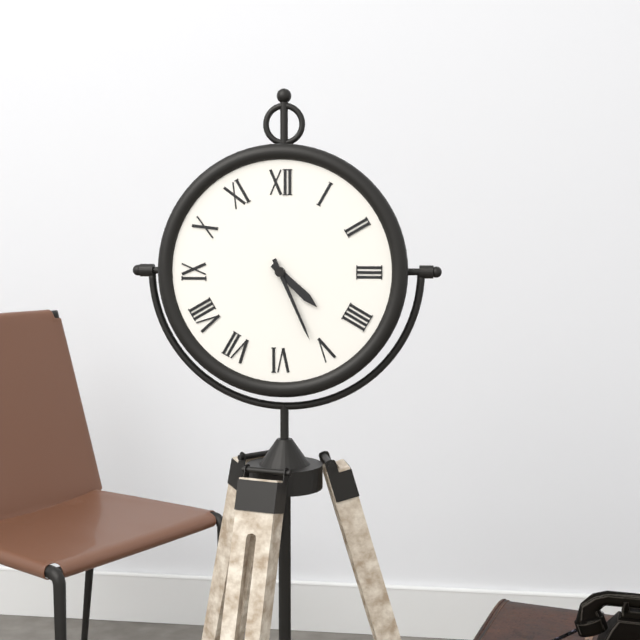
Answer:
4:26
